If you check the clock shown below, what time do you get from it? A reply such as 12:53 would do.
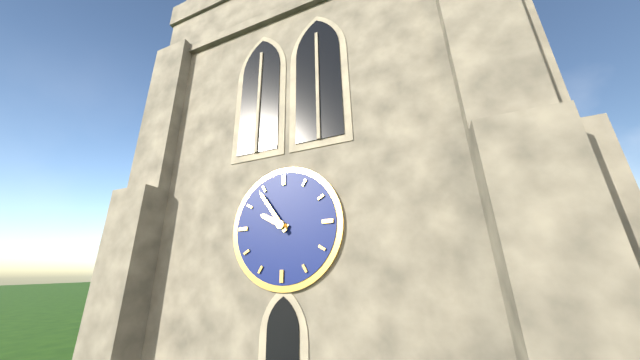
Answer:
9:54
